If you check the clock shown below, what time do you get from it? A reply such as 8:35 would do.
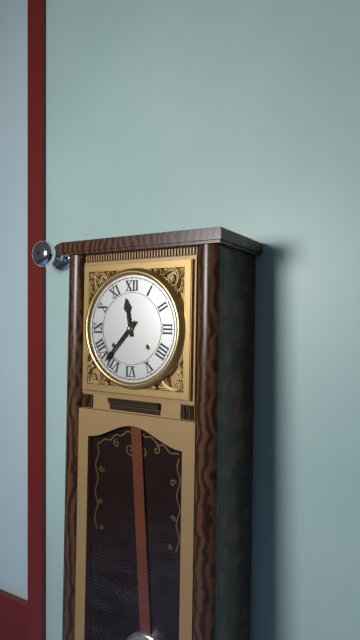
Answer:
11:37
